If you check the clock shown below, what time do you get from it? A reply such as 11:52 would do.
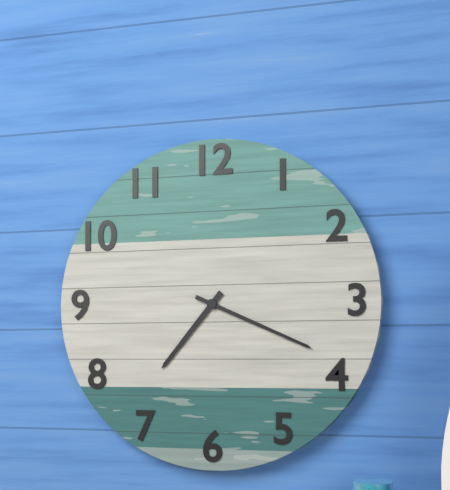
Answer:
7:19
